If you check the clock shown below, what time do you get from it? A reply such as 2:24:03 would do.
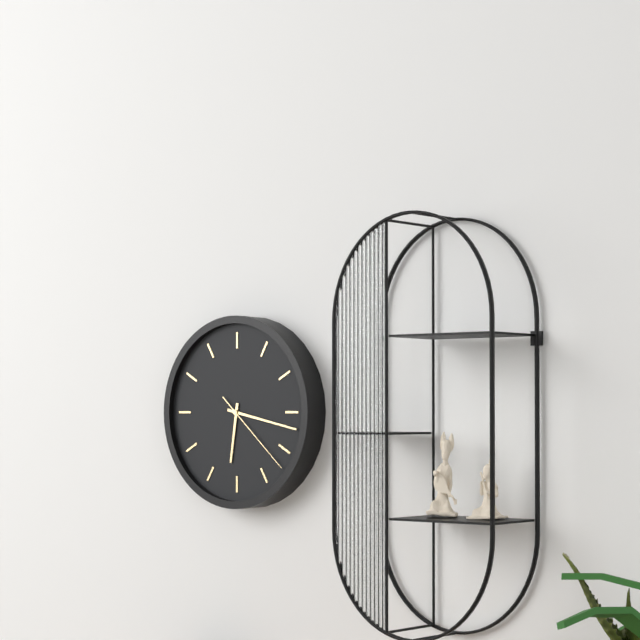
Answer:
6:17:22
